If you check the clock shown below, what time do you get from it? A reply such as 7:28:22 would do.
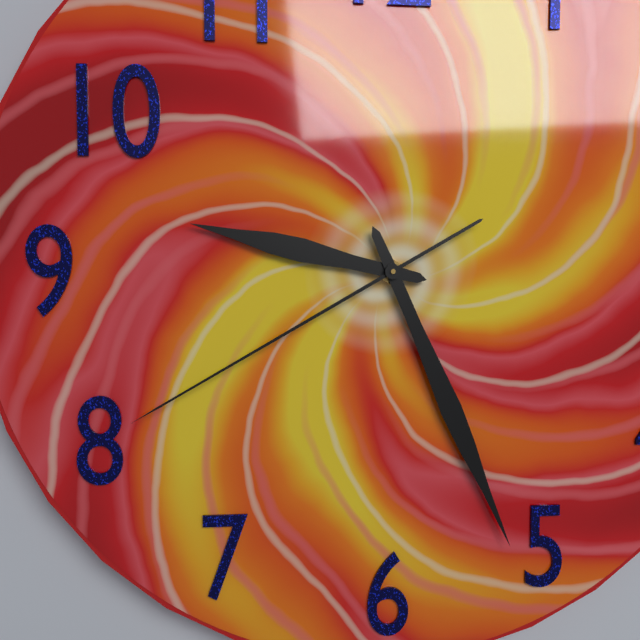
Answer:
9:26:40
